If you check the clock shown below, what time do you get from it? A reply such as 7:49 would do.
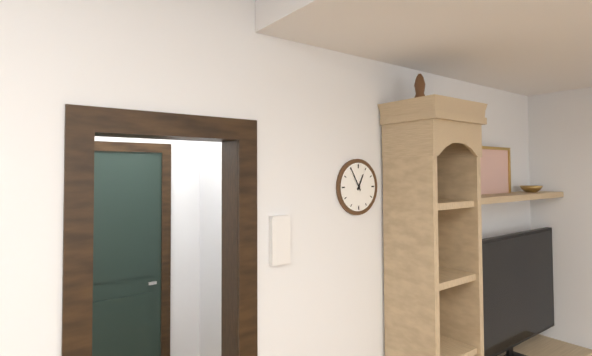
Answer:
12:55
